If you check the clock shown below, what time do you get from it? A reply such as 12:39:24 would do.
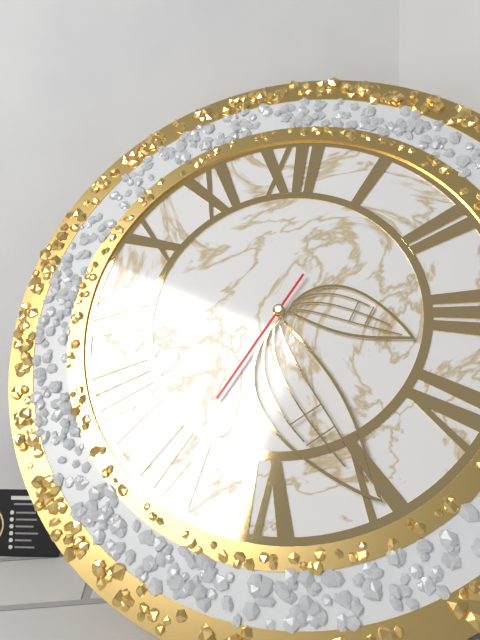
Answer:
3:25:35
